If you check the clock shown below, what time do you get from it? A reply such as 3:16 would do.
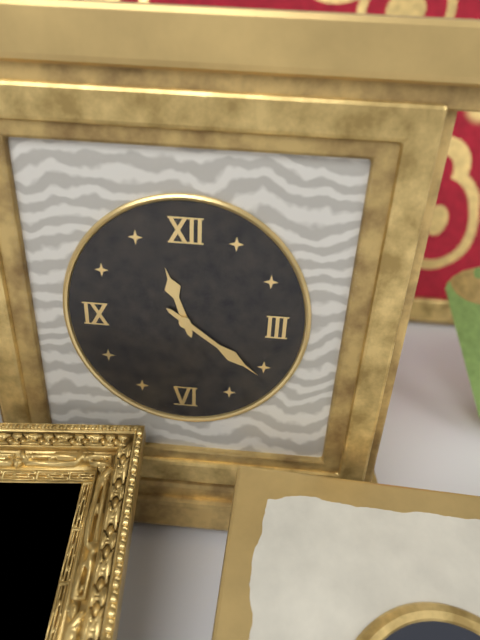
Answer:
11:21
